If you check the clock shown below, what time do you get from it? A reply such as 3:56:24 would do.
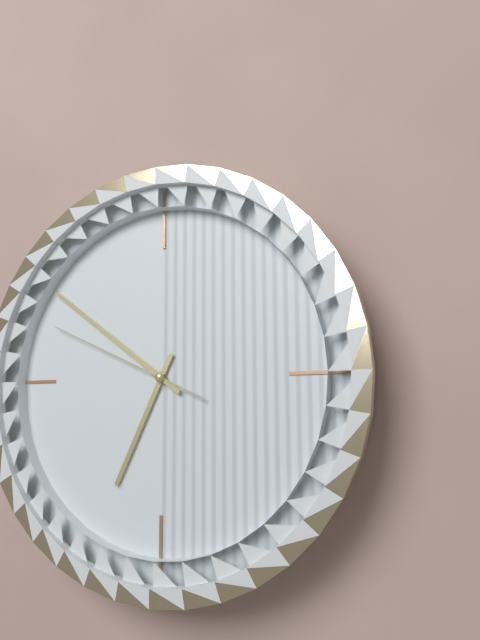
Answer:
6:51:49
